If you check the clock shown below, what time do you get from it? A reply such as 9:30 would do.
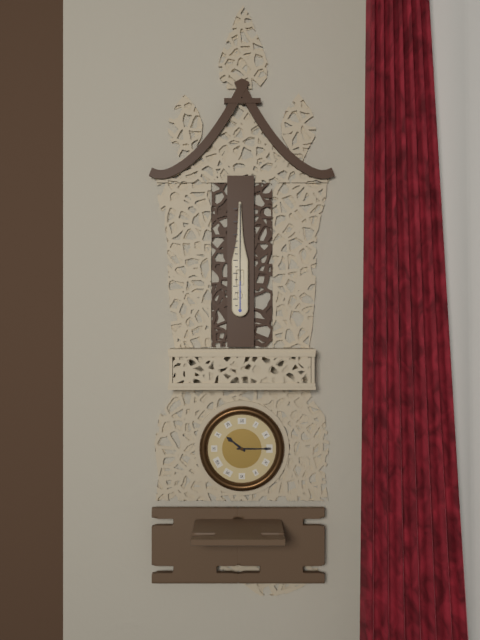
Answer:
10:15
